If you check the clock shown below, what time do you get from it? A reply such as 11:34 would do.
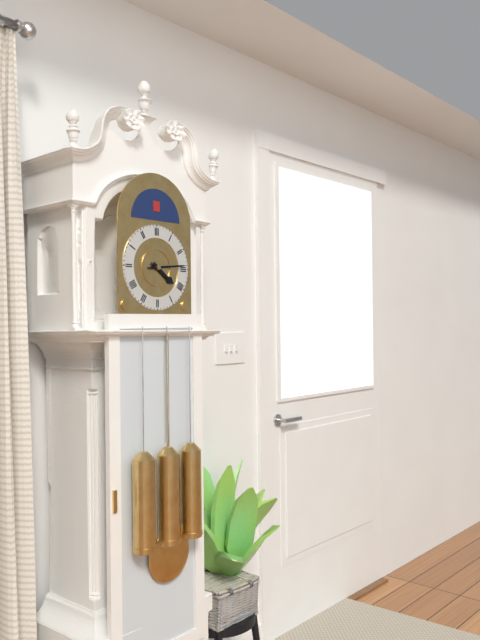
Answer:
4:14
